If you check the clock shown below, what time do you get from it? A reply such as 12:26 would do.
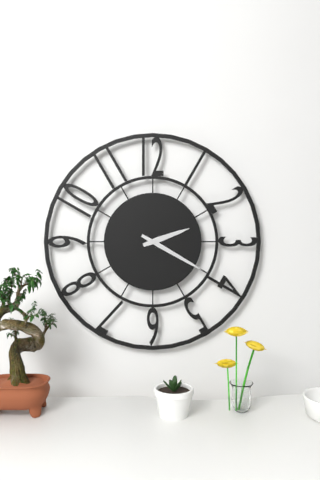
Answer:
2:20
